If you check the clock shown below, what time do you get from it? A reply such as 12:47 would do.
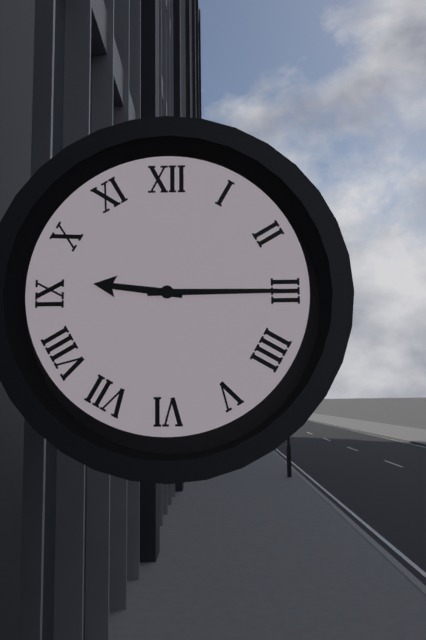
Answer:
9:15
